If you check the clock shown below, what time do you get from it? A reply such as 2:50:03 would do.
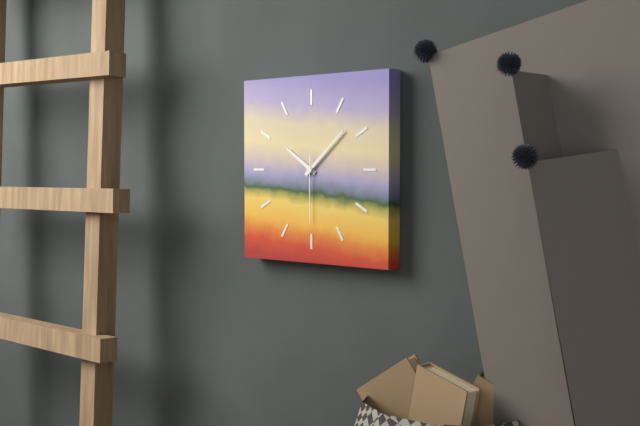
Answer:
10:08:30
